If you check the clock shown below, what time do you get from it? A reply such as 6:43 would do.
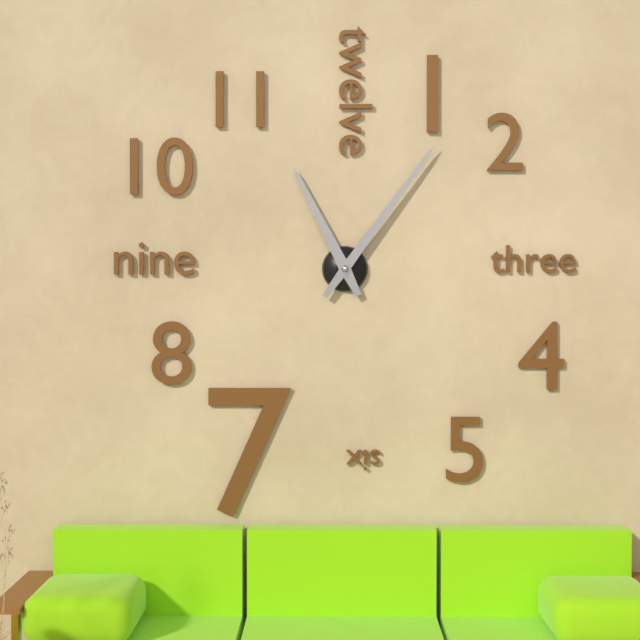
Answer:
11:06
